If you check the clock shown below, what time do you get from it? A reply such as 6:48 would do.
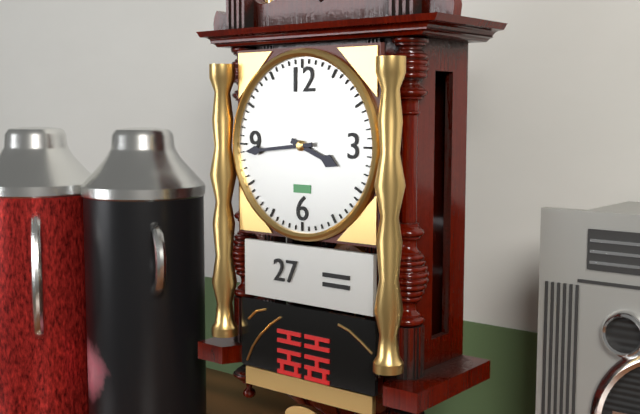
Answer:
3:44
